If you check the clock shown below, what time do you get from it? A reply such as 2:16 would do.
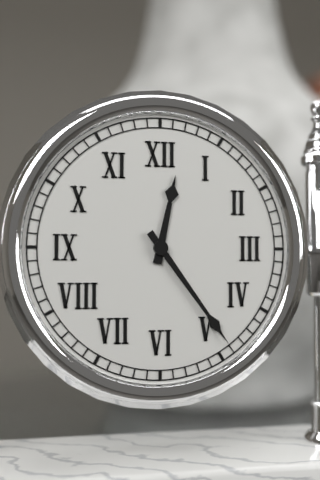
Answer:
12:24
